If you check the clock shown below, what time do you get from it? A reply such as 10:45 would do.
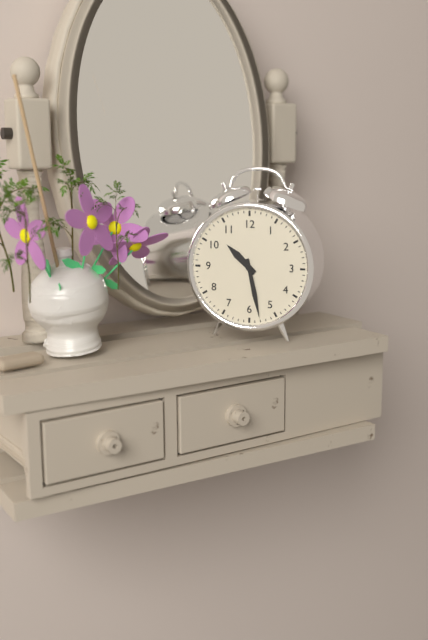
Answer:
10:28
